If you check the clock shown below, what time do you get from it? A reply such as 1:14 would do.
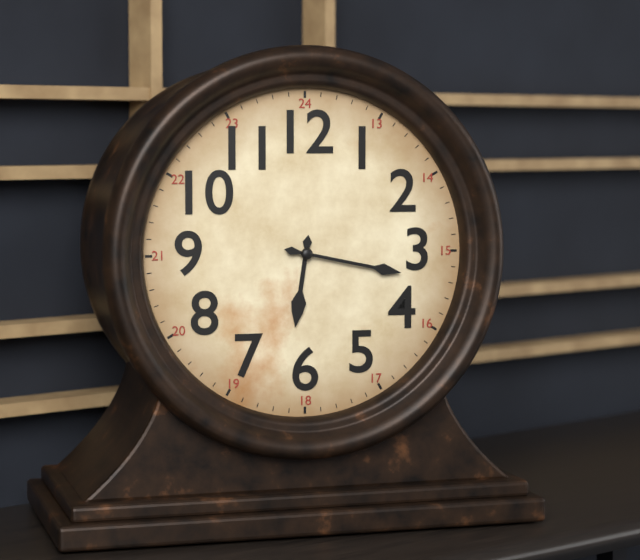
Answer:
6:17
